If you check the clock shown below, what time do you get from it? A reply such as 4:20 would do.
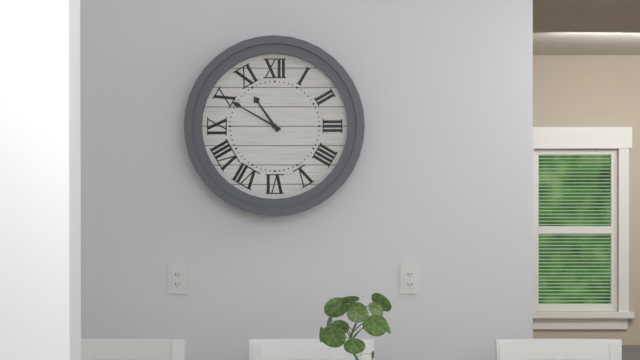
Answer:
10:50
